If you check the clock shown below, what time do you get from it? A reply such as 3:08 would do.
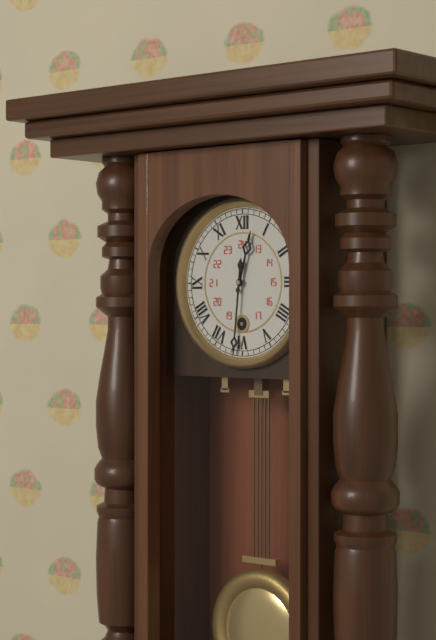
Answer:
12:31
